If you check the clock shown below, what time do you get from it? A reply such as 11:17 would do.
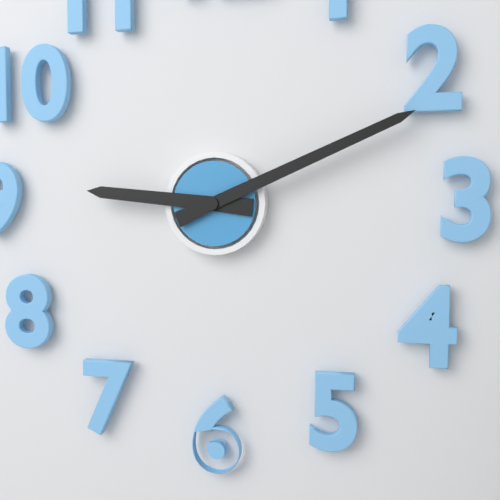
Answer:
9:11
